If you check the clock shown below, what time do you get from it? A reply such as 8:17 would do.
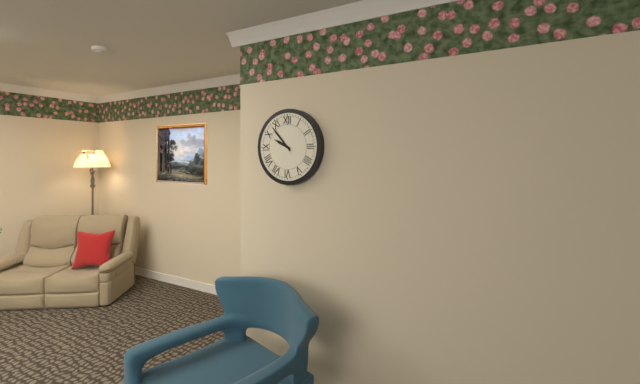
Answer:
9:53
